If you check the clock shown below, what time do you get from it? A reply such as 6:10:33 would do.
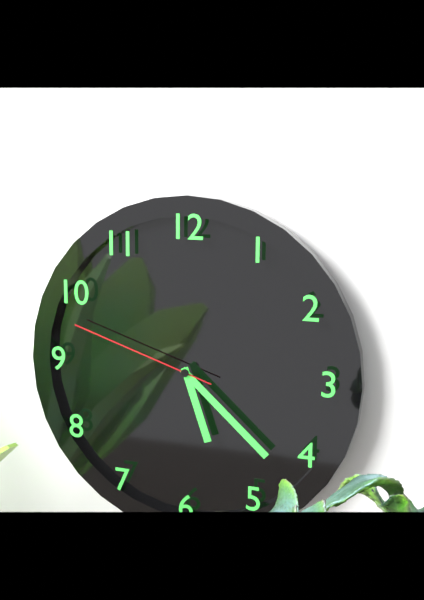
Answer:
5:22:48
